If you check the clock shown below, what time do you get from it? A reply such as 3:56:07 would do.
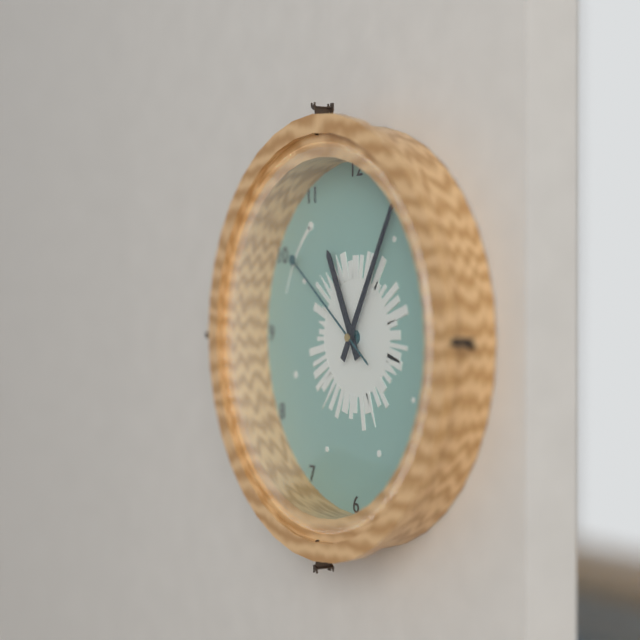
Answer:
11:05:51
